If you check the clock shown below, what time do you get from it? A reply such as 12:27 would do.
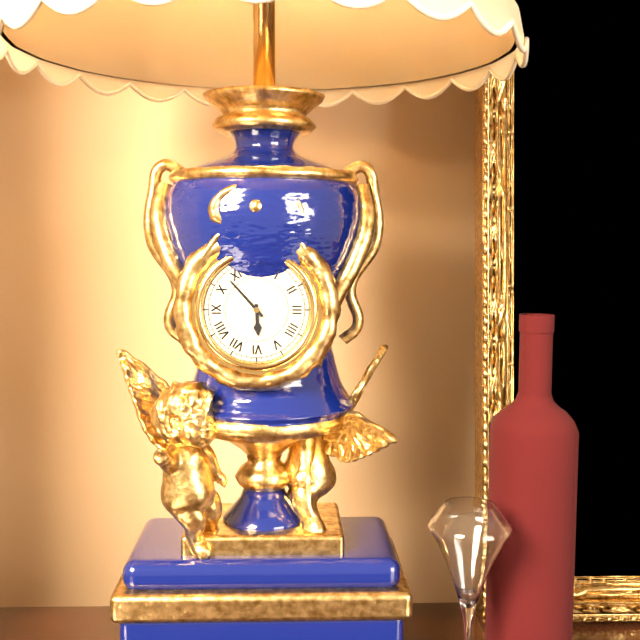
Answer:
5:53
